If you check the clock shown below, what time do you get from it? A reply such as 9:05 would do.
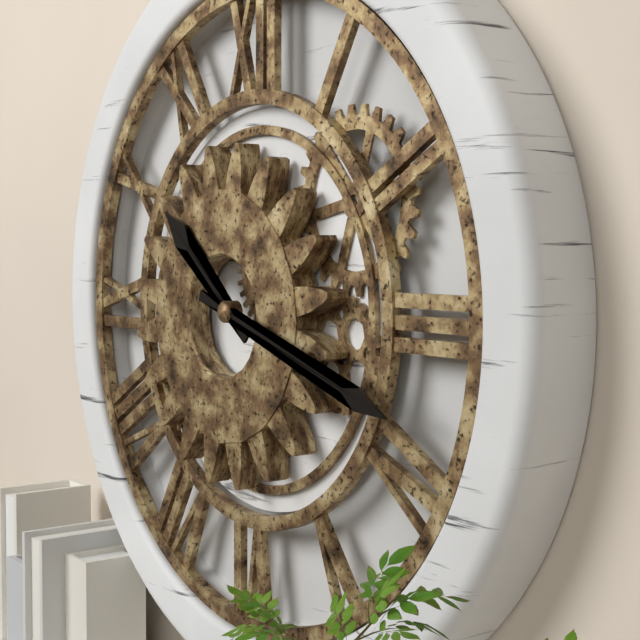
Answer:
10:18
